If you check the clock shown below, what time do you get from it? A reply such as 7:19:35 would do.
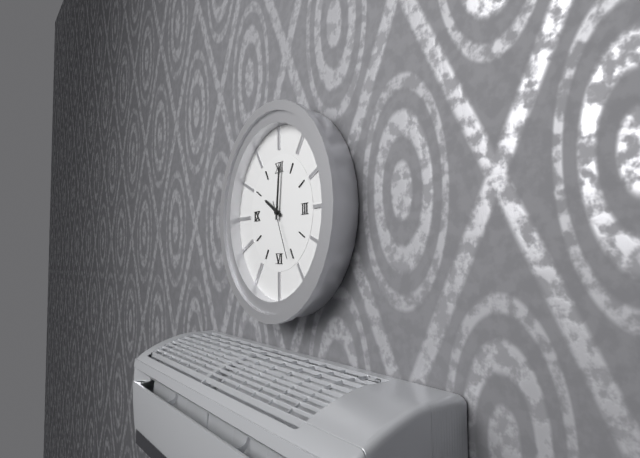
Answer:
10:01:26
